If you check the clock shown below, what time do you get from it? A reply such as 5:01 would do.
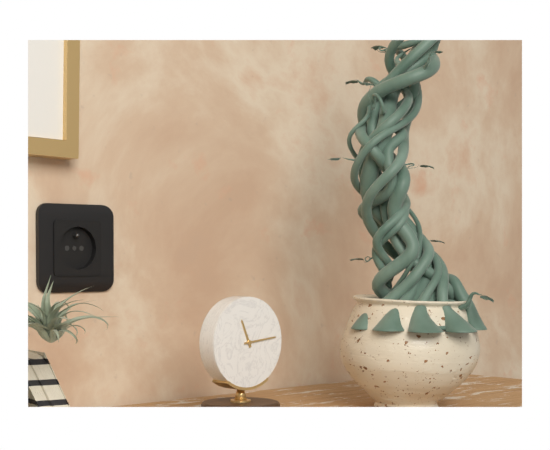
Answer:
11:14
